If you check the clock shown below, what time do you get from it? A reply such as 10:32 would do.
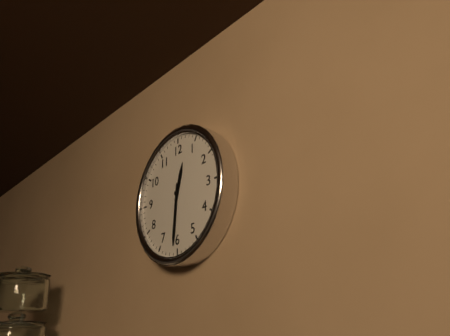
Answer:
12:31
